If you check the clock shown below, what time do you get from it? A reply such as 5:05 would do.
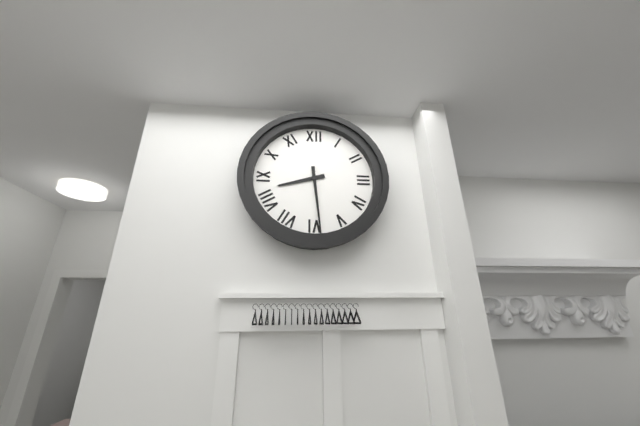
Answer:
8:29
